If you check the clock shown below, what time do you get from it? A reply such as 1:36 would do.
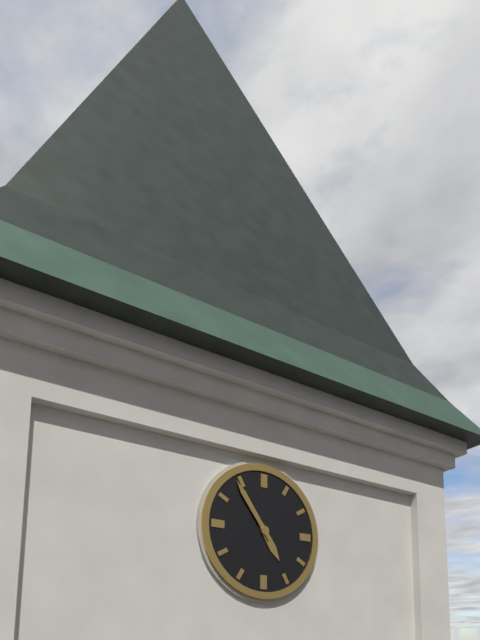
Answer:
4:54
